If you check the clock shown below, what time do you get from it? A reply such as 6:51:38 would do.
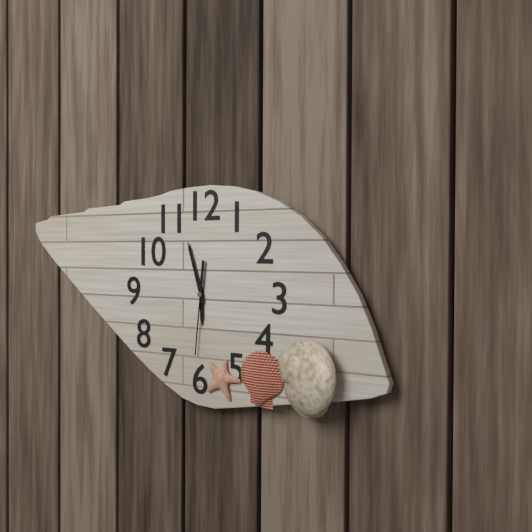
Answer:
5:57:31
